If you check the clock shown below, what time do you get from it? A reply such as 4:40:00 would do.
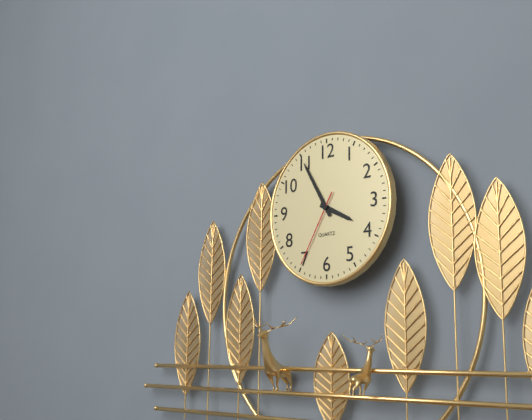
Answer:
3:55:35
